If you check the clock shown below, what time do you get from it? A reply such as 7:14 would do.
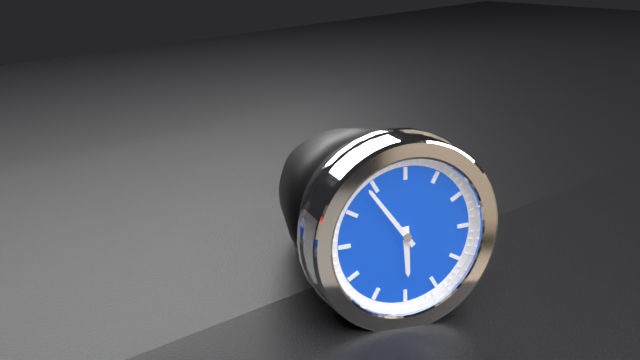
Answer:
5:54
